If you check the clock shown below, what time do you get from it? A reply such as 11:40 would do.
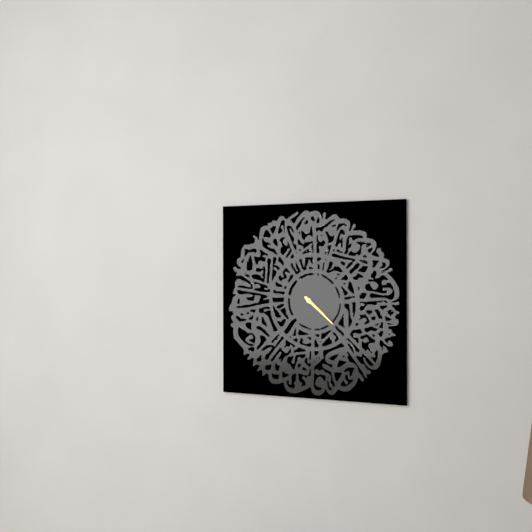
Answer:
4:22
